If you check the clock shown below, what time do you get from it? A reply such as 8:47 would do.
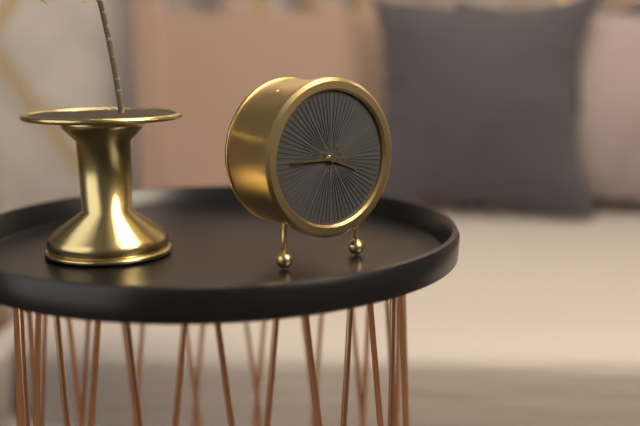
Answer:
3:45
